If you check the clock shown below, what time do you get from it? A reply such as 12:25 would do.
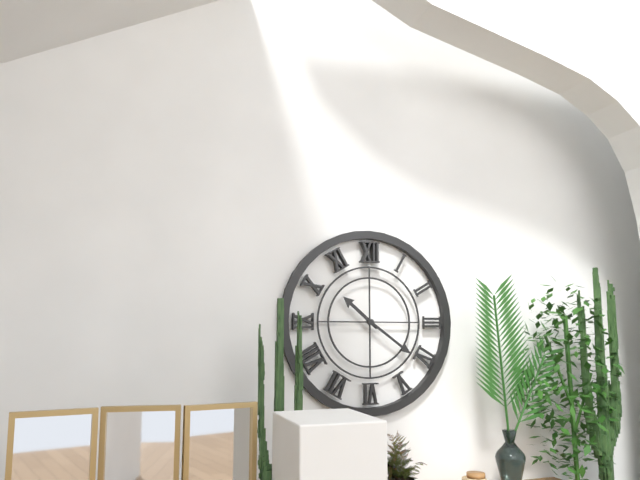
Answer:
10:21
